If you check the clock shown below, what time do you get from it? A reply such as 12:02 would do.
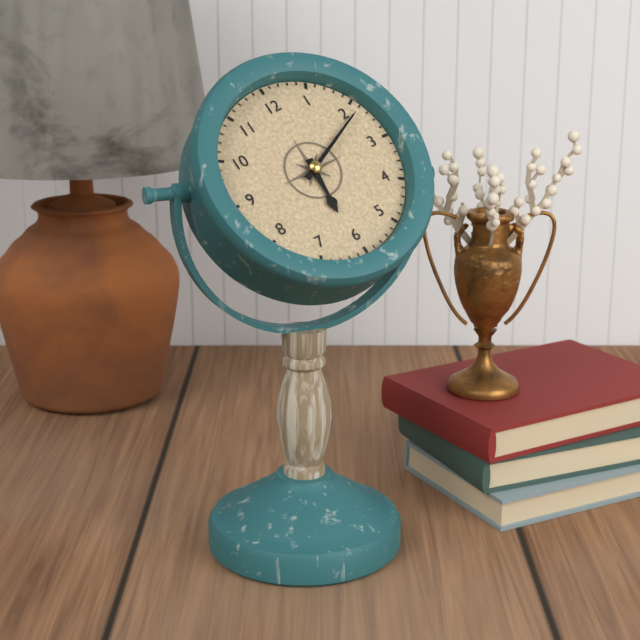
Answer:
6:11
